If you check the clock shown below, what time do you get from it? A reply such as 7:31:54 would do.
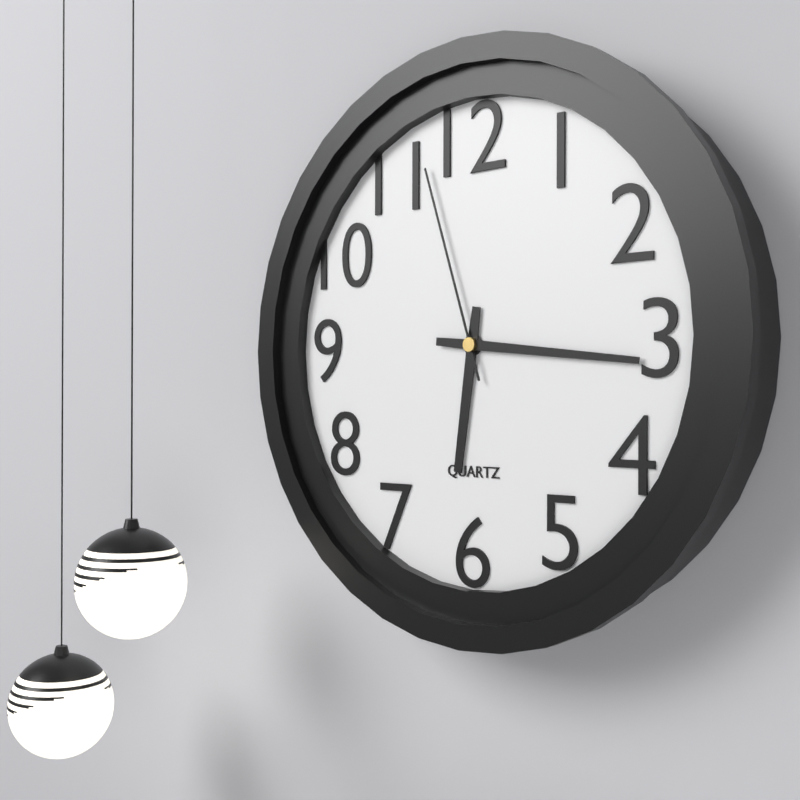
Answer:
6:16:57
